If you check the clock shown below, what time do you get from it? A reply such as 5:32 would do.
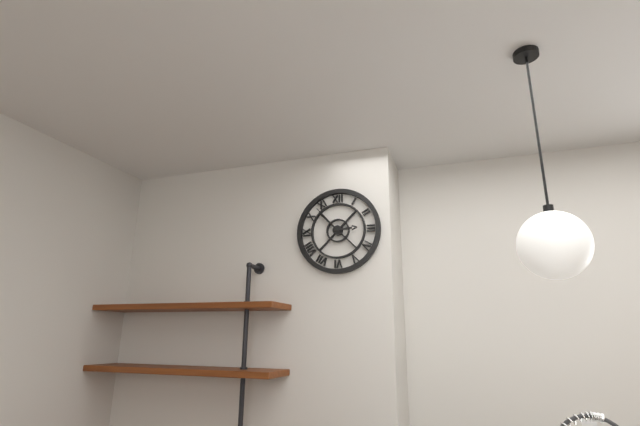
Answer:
2:53
